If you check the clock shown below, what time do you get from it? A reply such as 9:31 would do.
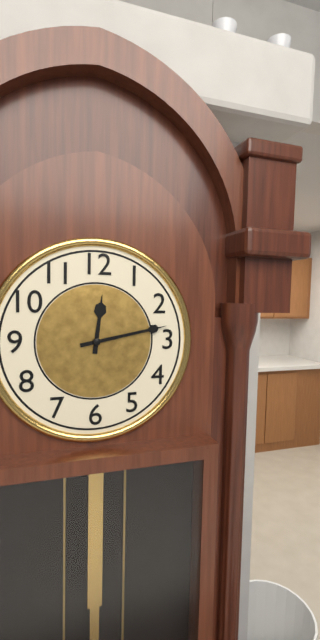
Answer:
12:13
